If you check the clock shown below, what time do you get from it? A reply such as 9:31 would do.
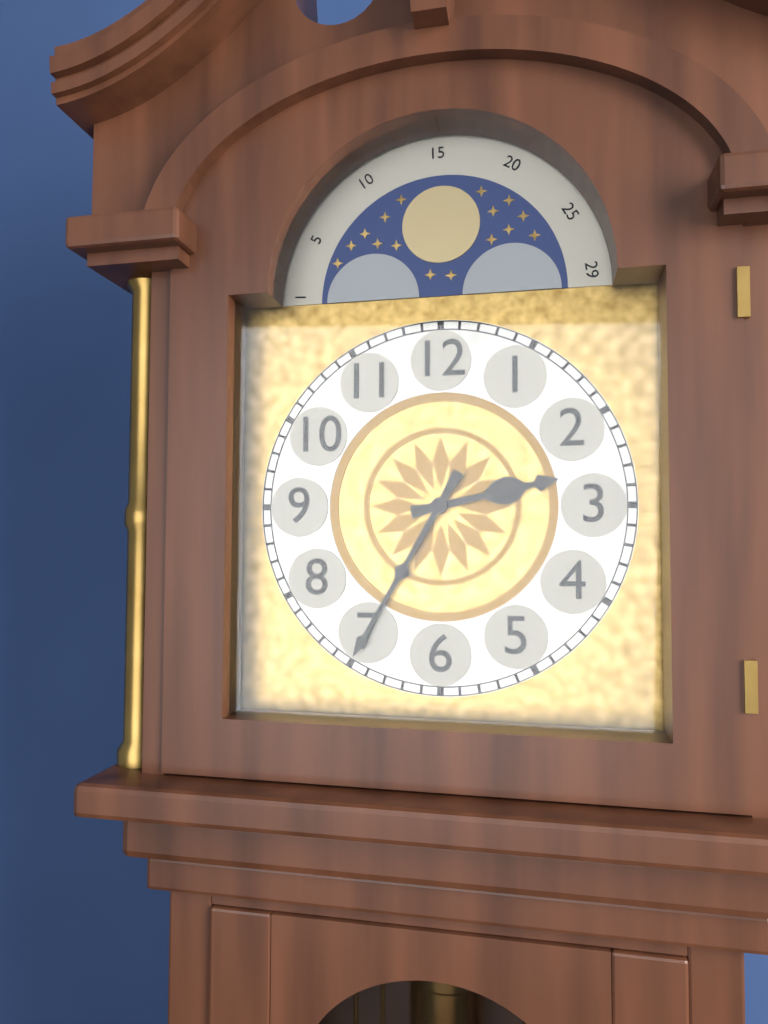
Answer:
2:35
